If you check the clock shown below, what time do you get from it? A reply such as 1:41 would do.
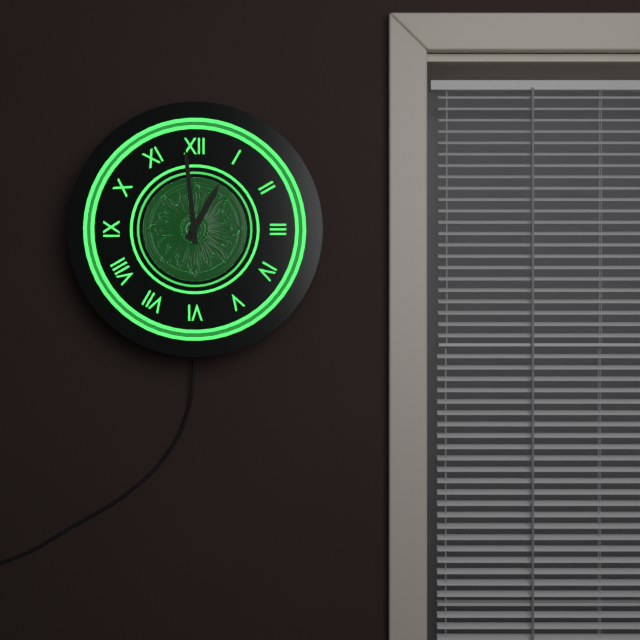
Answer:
12:59
